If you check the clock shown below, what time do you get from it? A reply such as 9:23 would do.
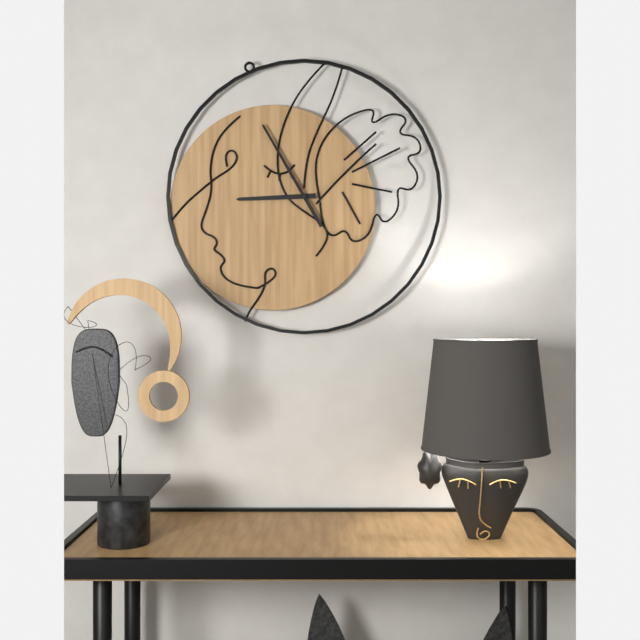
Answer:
8:55
